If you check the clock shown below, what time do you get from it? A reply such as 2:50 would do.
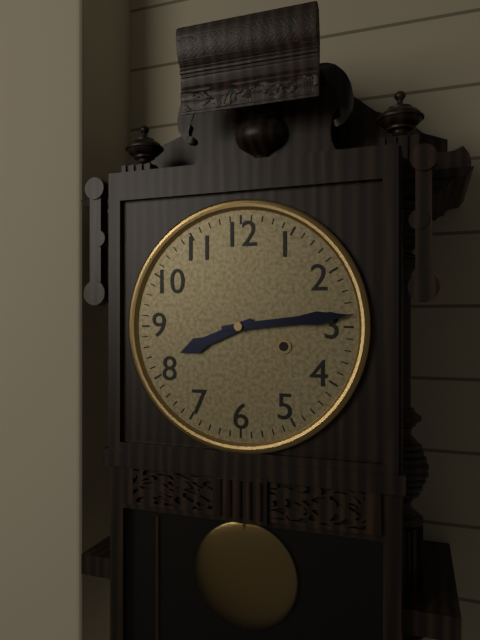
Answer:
8:14
